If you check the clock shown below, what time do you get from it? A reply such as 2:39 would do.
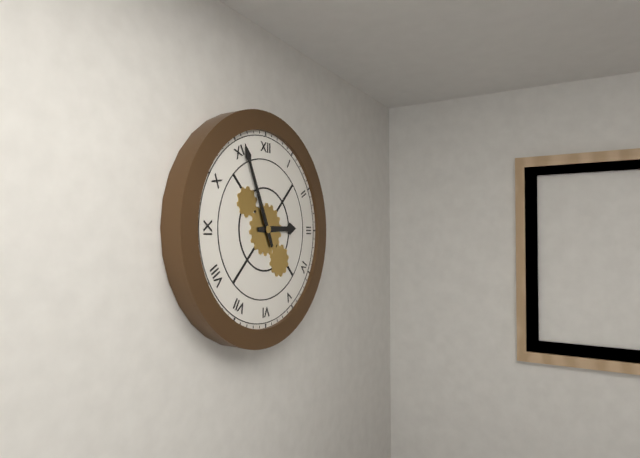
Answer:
2:56
